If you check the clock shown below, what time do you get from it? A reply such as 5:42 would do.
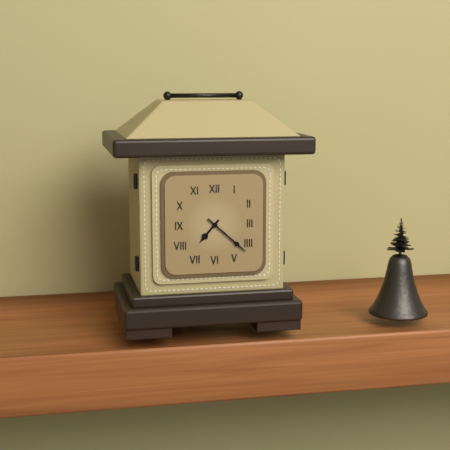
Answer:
7:22
